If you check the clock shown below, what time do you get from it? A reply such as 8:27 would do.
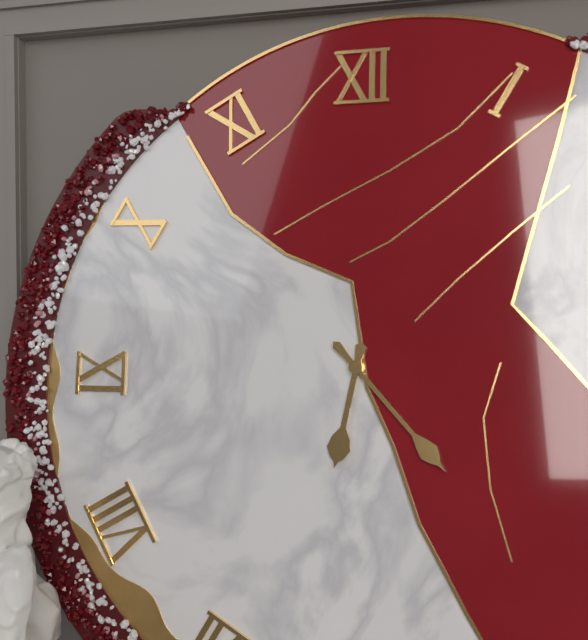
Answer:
6:23
